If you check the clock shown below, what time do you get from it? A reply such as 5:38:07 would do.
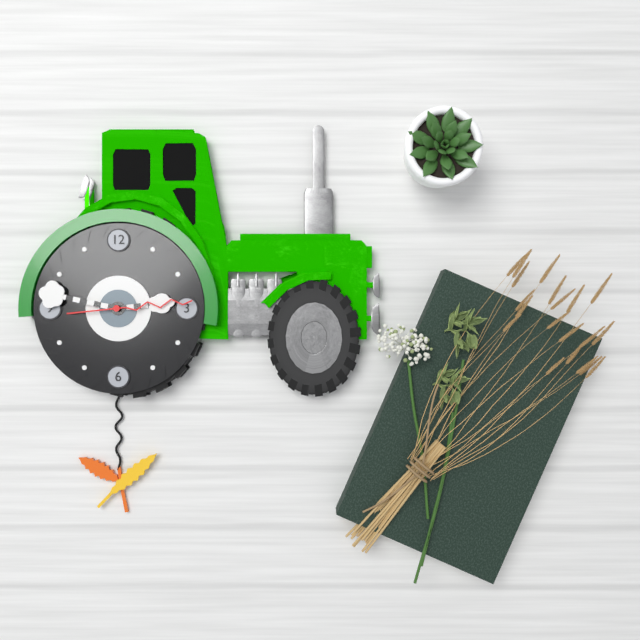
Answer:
2:47:14
